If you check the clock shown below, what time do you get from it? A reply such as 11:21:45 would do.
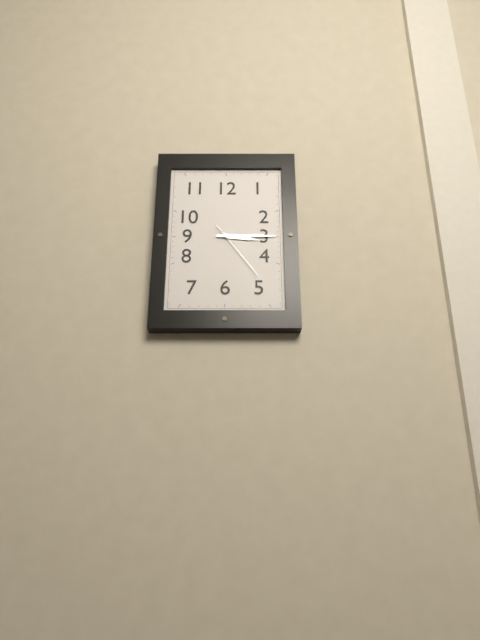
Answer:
3:15:24
